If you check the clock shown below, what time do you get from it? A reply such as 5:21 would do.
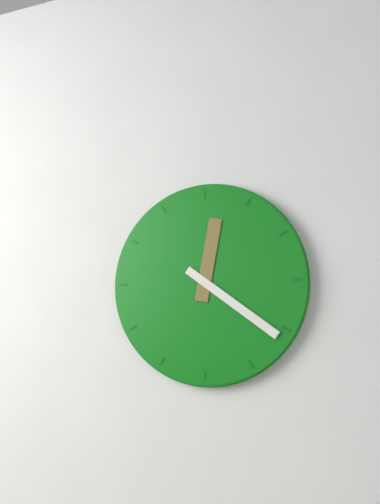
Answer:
12:21
